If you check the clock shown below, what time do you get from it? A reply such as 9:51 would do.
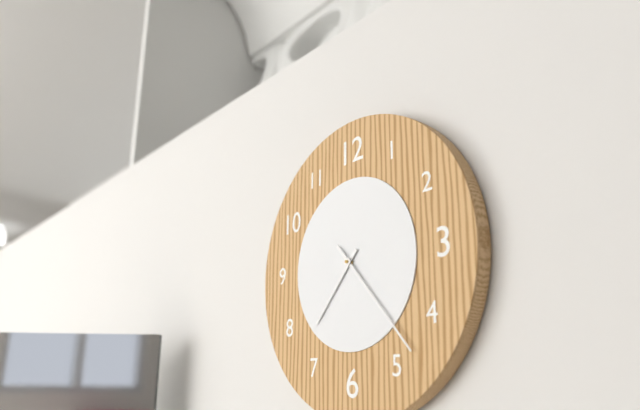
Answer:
7:23
